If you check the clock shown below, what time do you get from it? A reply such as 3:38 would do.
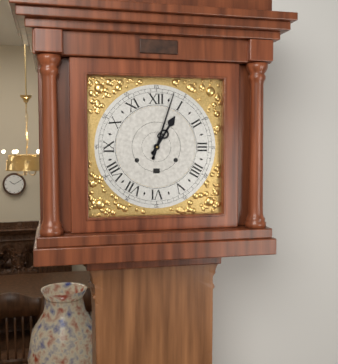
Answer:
1:03
